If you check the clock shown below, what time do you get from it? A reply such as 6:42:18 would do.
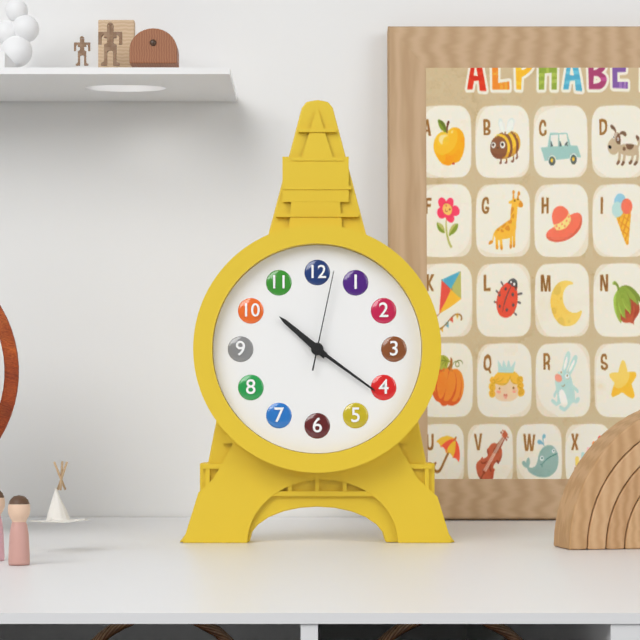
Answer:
10:21:02
